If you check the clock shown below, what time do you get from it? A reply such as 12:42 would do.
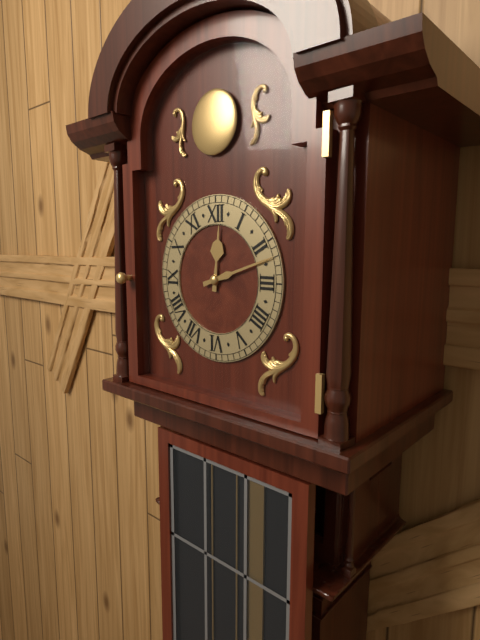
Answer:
12:12
